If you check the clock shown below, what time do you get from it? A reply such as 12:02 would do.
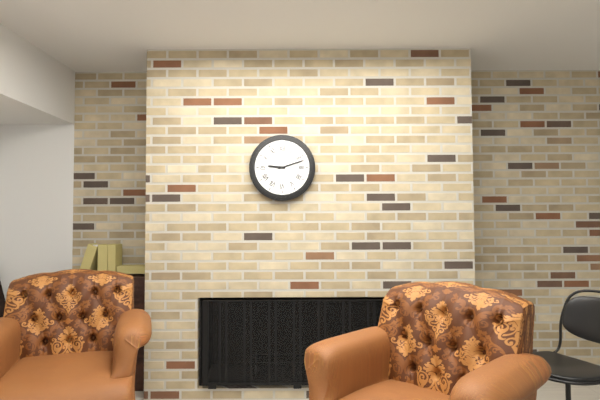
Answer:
9:12
